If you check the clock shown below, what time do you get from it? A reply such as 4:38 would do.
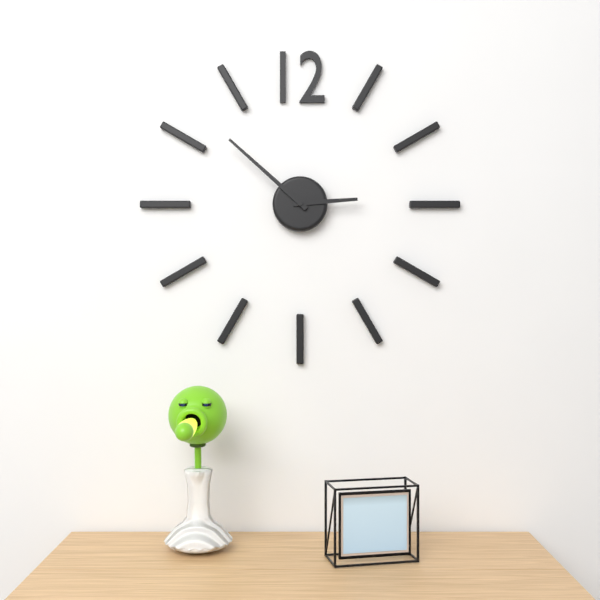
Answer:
2:52
